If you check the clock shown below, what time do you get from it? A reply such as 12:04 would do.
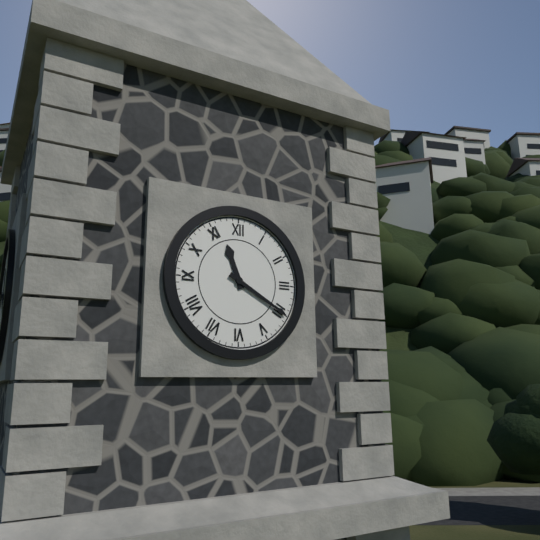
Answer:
11:20
